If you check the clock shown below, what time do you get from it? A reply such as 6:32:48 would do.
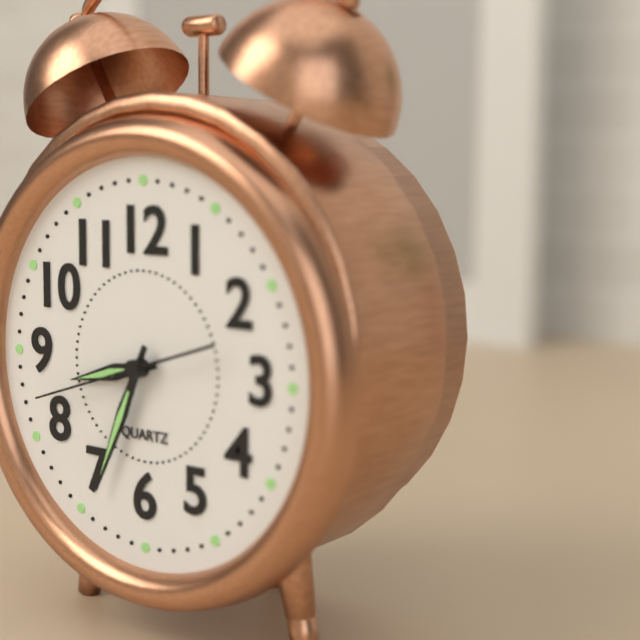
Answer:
8:34:42
